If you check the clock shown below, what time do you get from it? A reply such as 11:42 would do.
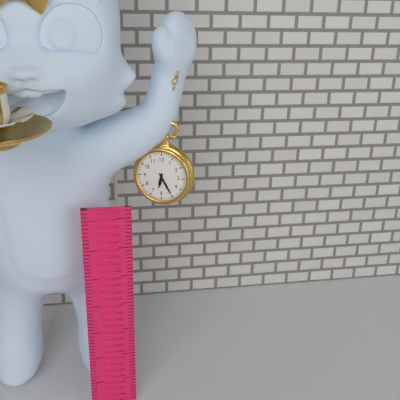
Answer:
6:25
